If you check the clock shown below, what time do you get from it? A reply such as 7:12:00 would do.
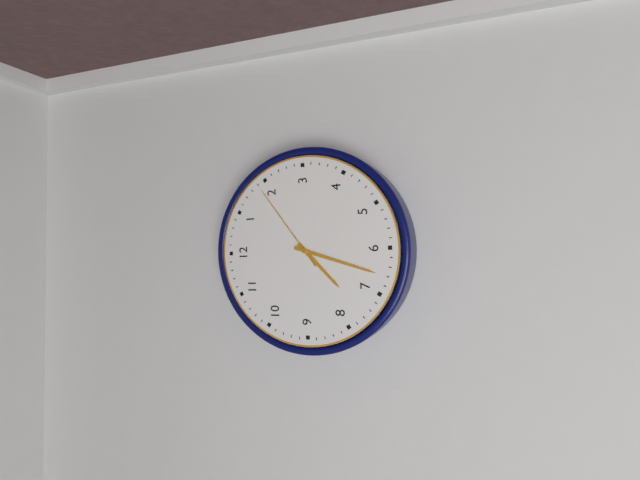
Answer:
7:33:09
